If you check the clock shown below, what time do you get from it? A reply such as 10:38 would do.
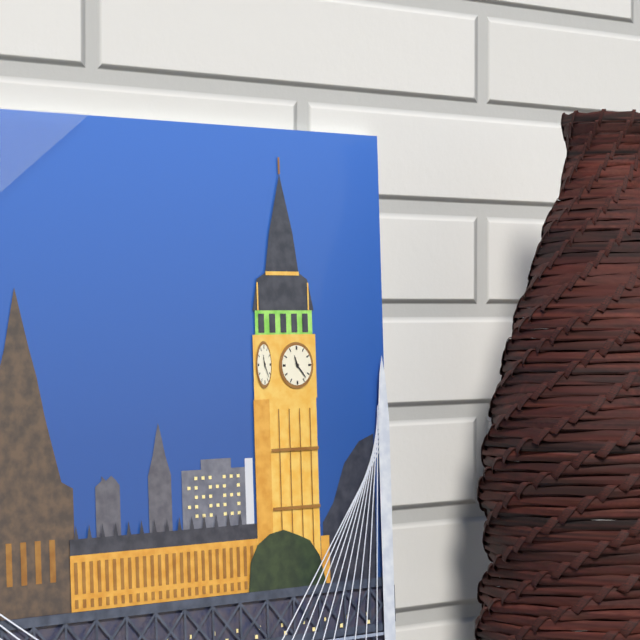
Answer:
11:23
